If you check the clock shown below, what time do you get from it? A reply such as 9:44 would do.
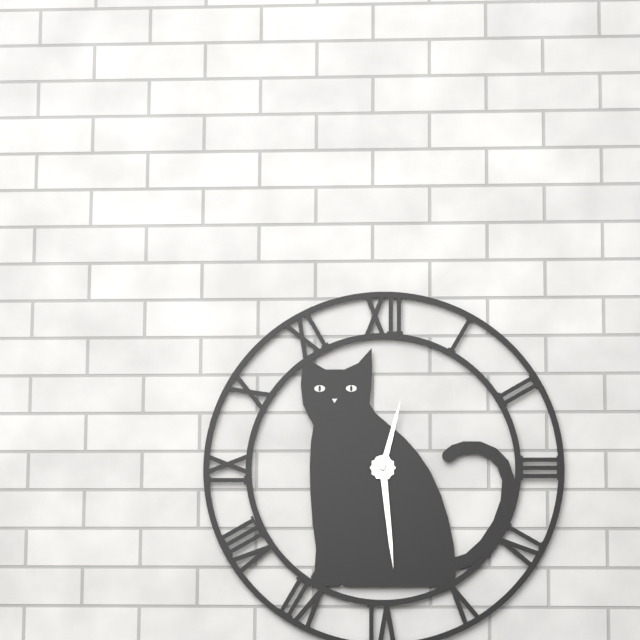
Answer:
12:29
